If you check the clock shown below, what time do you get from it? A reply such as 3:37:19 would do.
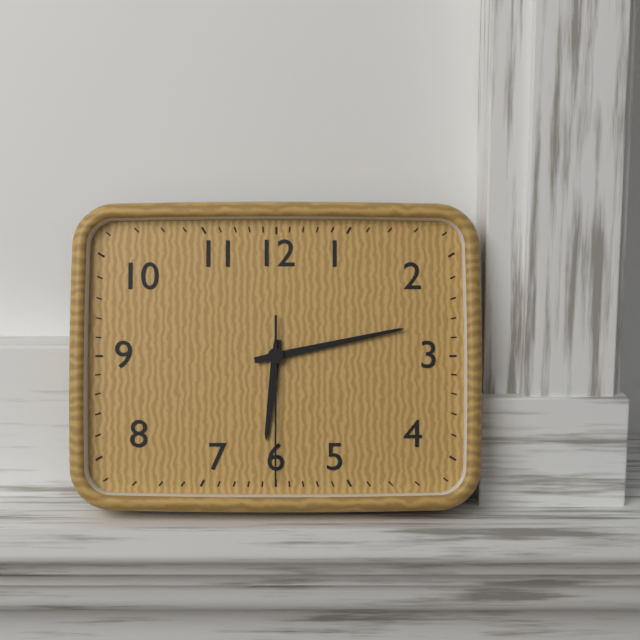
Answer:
6:13:30
